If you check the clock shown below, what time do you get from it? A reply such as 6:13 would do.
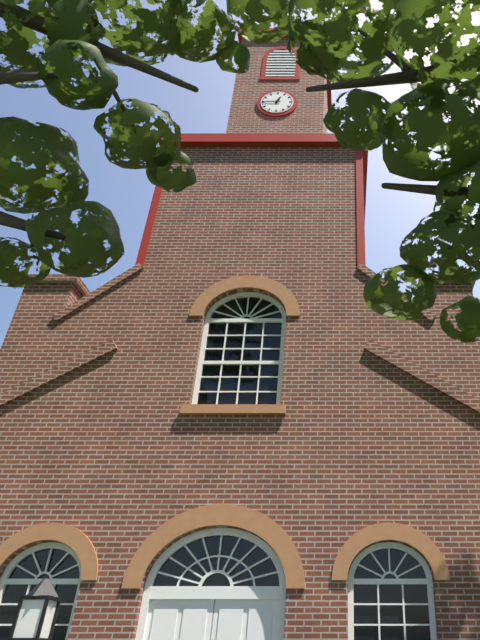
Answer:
12:45
